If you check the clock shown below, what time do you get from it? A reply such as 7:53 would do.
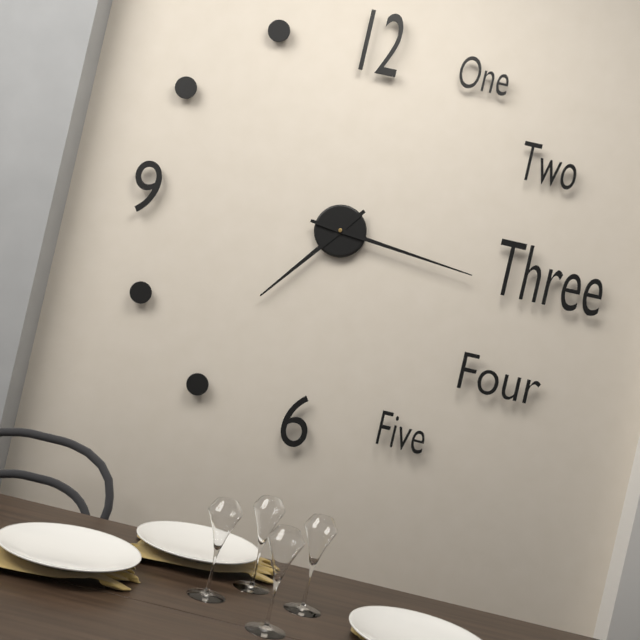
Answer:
7:16
